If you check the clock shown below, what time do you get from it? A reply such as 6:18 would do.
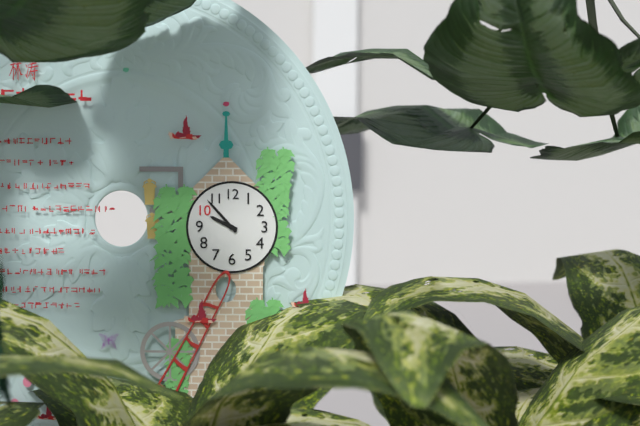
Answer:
9:53
